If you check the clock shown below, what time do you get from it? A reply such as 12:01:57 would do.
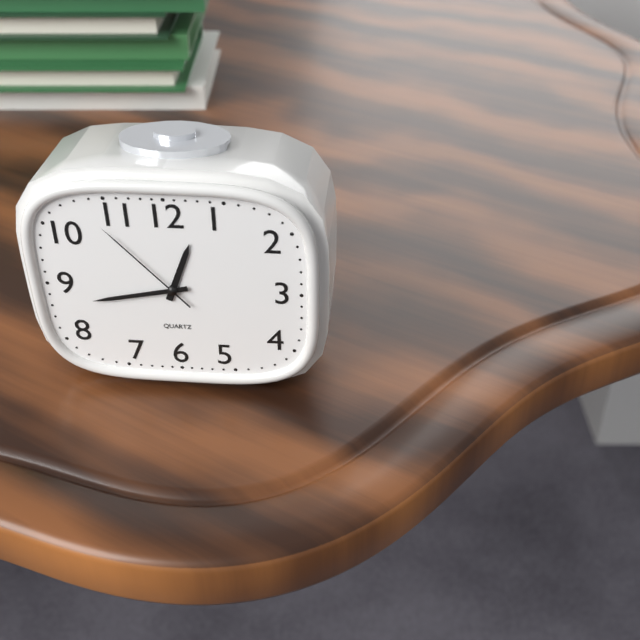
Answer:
12:43:53
